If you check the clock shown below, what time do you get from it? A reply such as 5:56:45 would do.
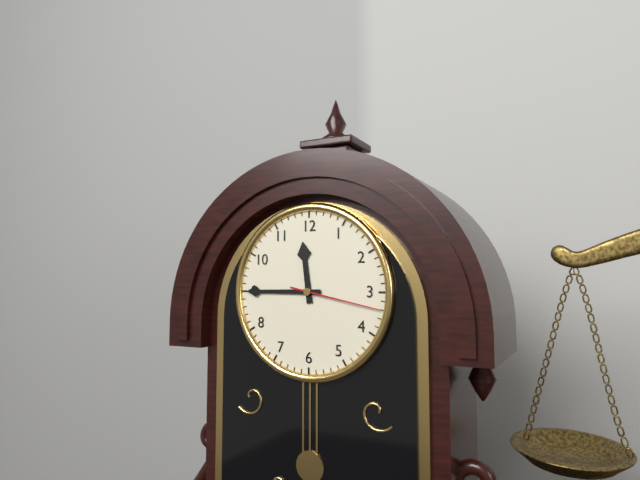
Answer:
11:45:17
